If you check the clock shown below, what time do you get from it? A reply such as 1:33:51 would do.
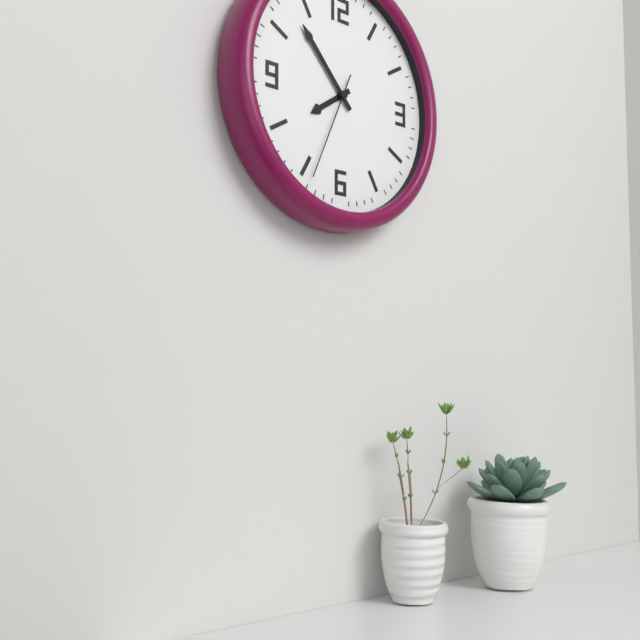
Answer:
7:53:34
